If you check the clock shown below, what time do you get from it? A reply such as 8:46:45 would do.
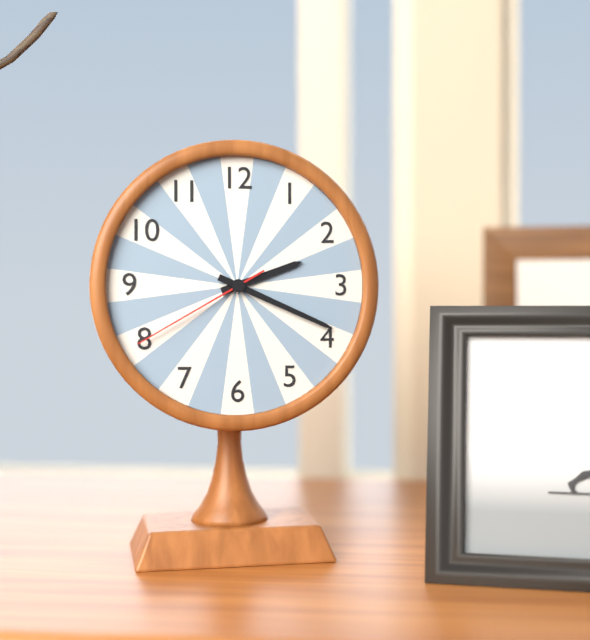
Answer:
2:19:40
